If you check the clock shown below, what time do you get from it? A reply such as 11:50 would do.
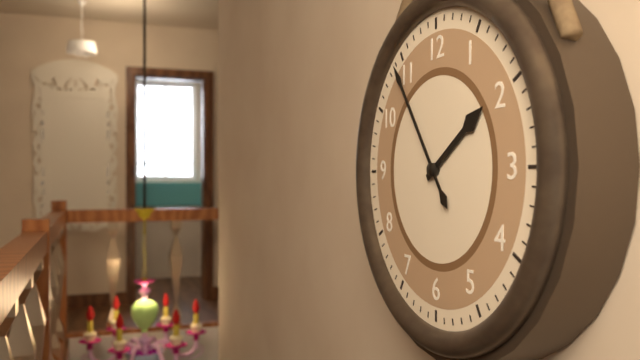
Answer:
1:54
